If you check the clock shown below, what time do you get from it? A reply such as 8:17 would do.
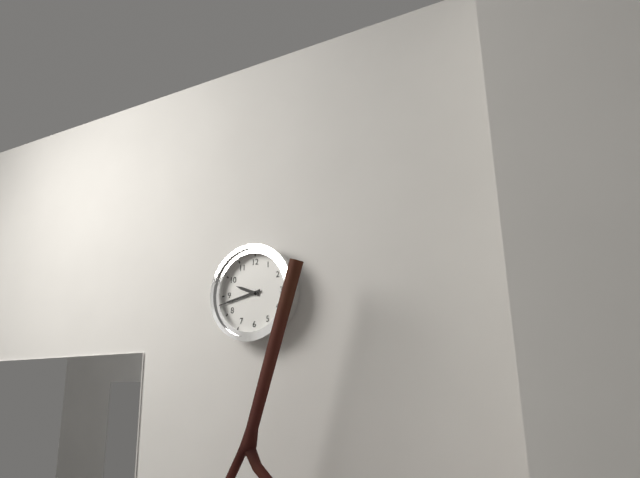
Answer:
9:43
